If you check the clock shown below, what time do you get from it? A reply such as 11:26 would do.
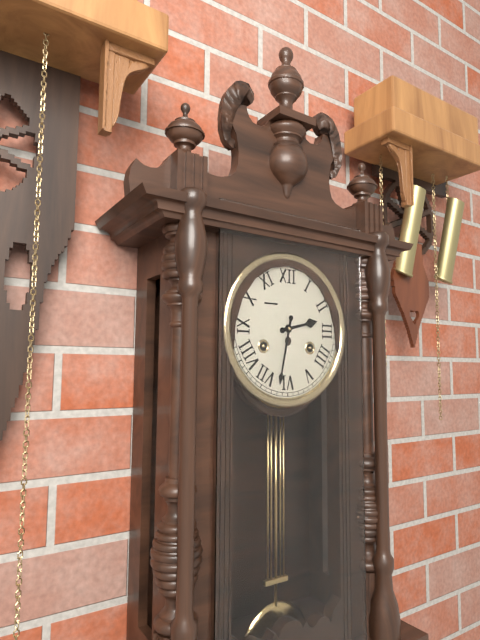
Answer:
2:32
